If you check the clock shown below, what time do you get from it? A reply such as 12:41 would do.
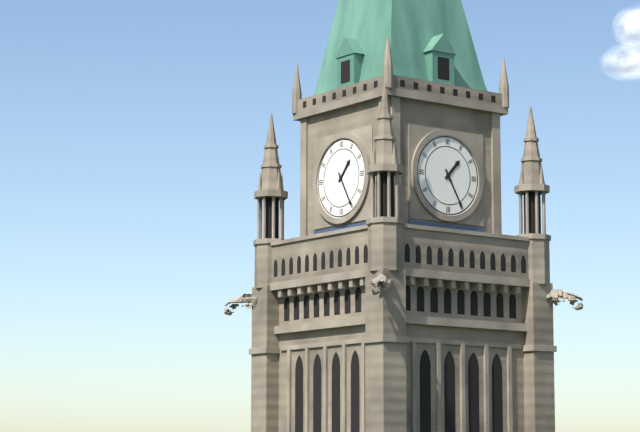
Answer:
1:25
